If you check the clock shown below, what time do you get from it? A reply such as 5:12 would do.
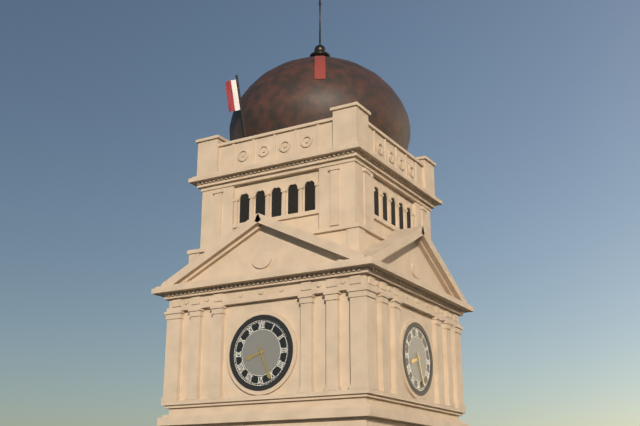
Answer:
8:26
